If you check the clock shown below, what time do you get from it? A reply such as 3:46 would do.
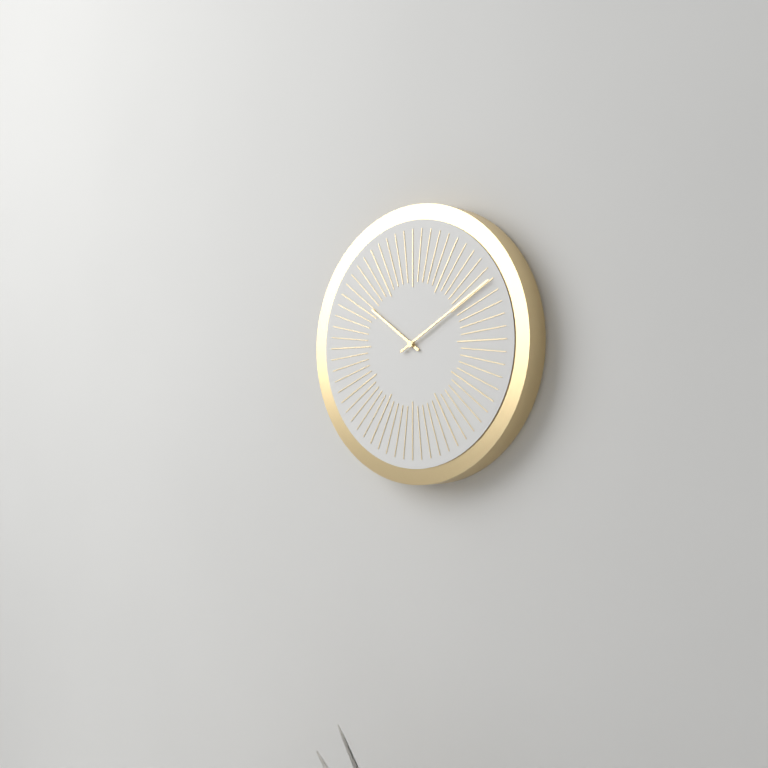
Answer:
10:10
